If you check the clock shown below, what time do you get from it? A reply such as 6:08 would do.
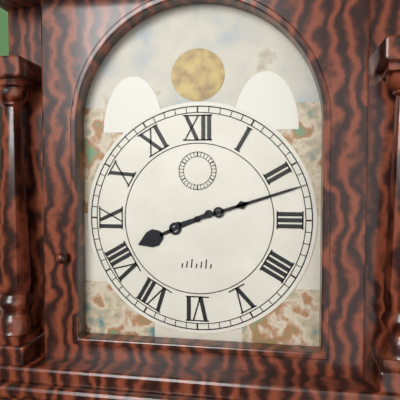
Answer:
8:12
